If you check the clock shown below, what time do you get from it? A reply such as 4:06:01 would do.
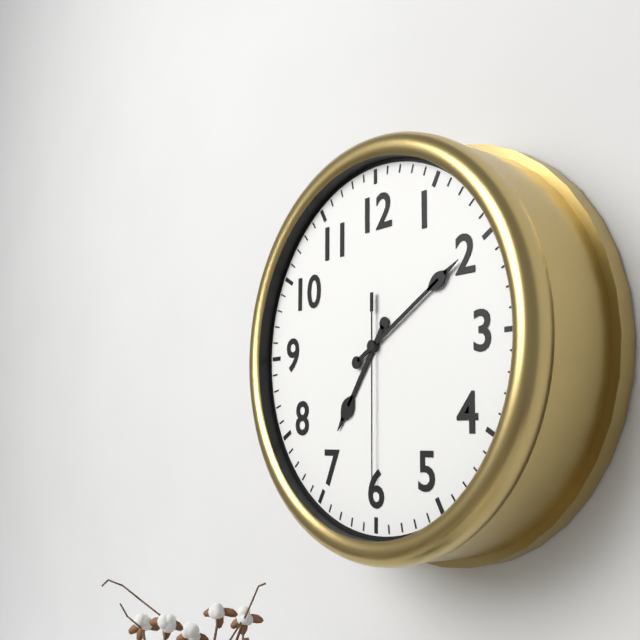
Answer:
7:10:30
